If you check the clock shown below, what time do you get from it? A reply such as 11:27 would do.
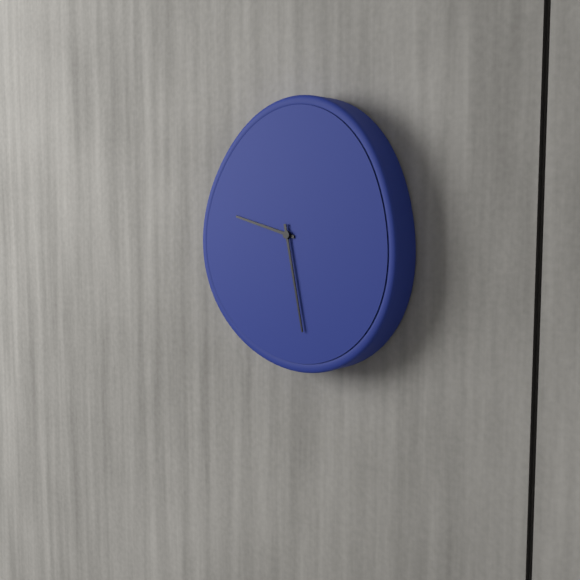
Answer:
9:28
